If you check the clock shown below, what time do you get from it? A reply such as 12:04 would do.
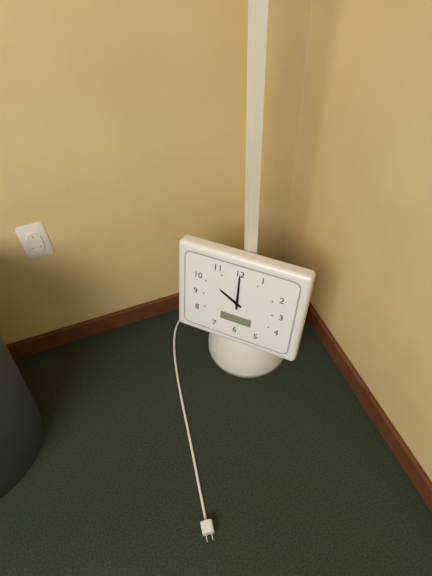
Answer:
10:00
